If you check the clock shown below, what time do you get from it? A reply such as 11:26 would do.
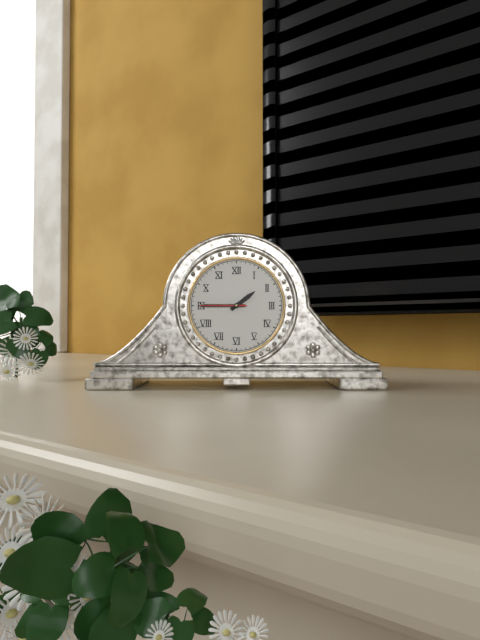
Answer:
1:45
